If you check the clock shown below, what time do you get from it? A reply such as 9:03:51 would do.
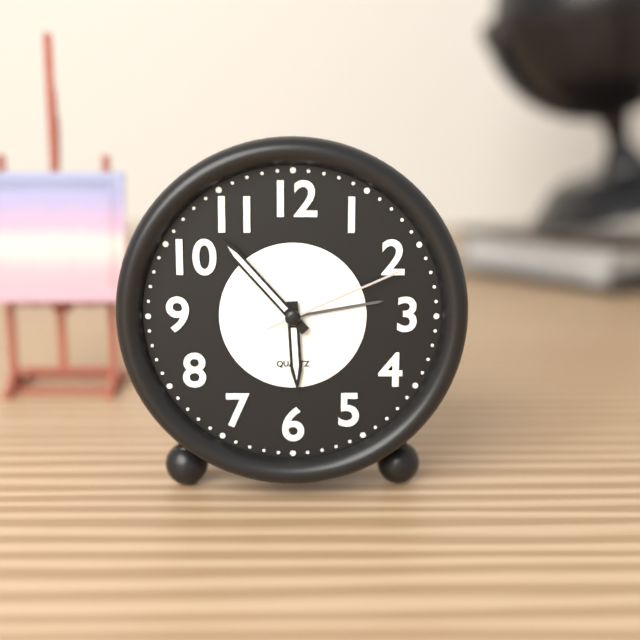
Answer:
5:53:11
